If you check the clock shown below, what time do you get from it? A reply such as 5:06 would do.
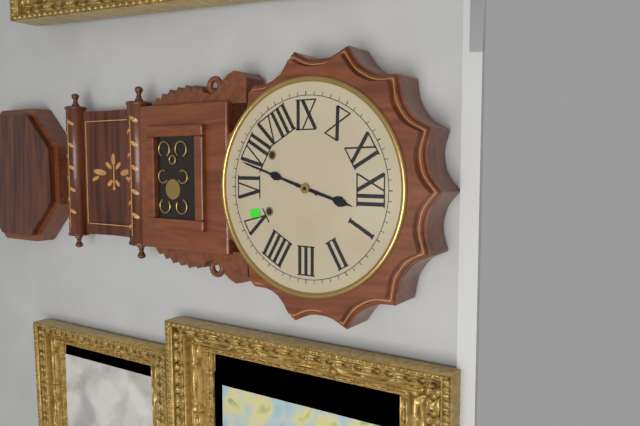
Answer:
12:33
